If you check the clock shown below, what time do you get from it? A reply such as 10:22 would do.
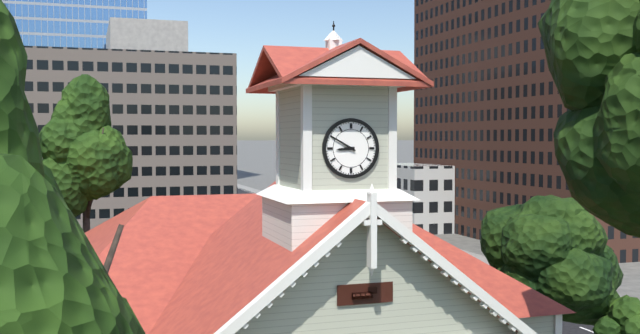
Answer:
8:50
